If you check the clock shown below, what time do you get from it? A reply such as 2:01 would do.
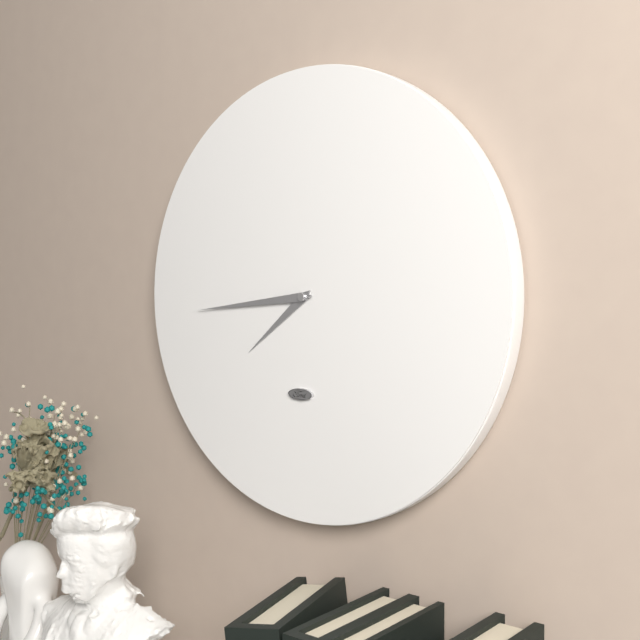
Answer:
7:44
